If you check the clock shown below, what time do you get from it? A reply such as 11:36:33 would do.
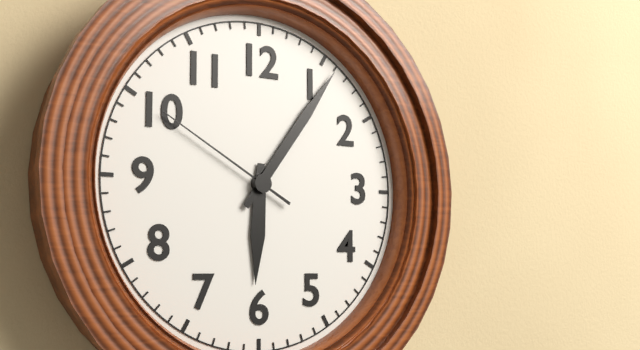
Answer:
6:06:50
